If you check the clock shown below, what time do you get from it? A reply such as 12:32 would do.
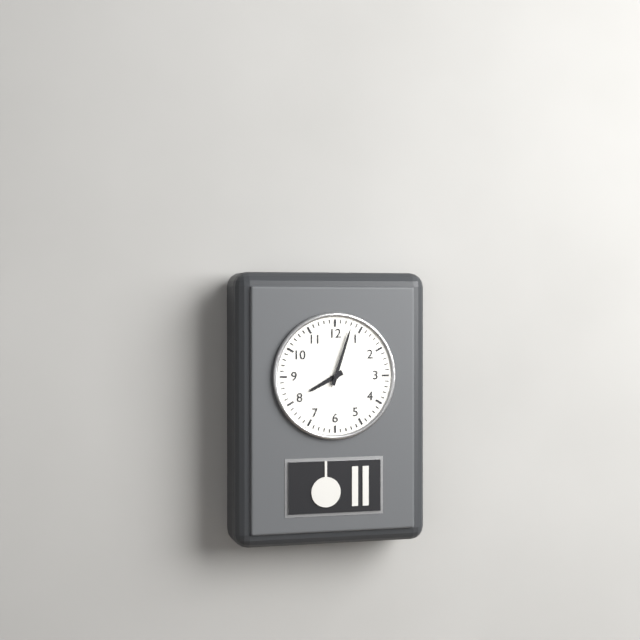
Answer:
8:03
